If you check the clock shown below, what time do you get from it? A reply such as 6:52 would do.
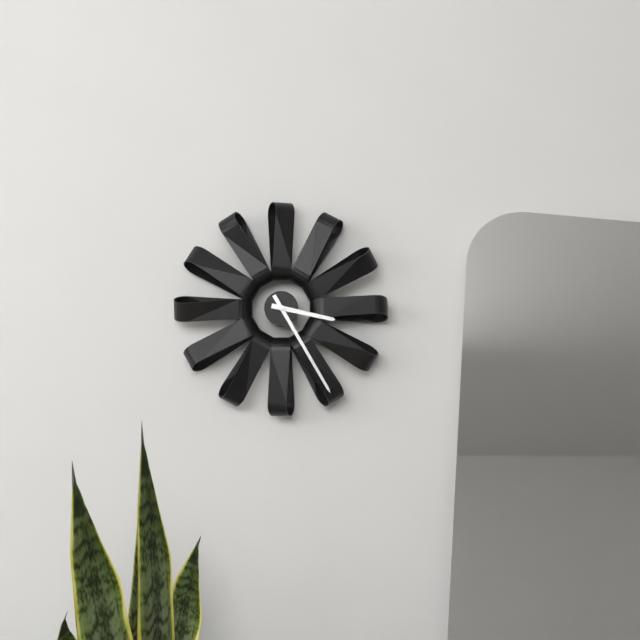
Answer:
3:25
